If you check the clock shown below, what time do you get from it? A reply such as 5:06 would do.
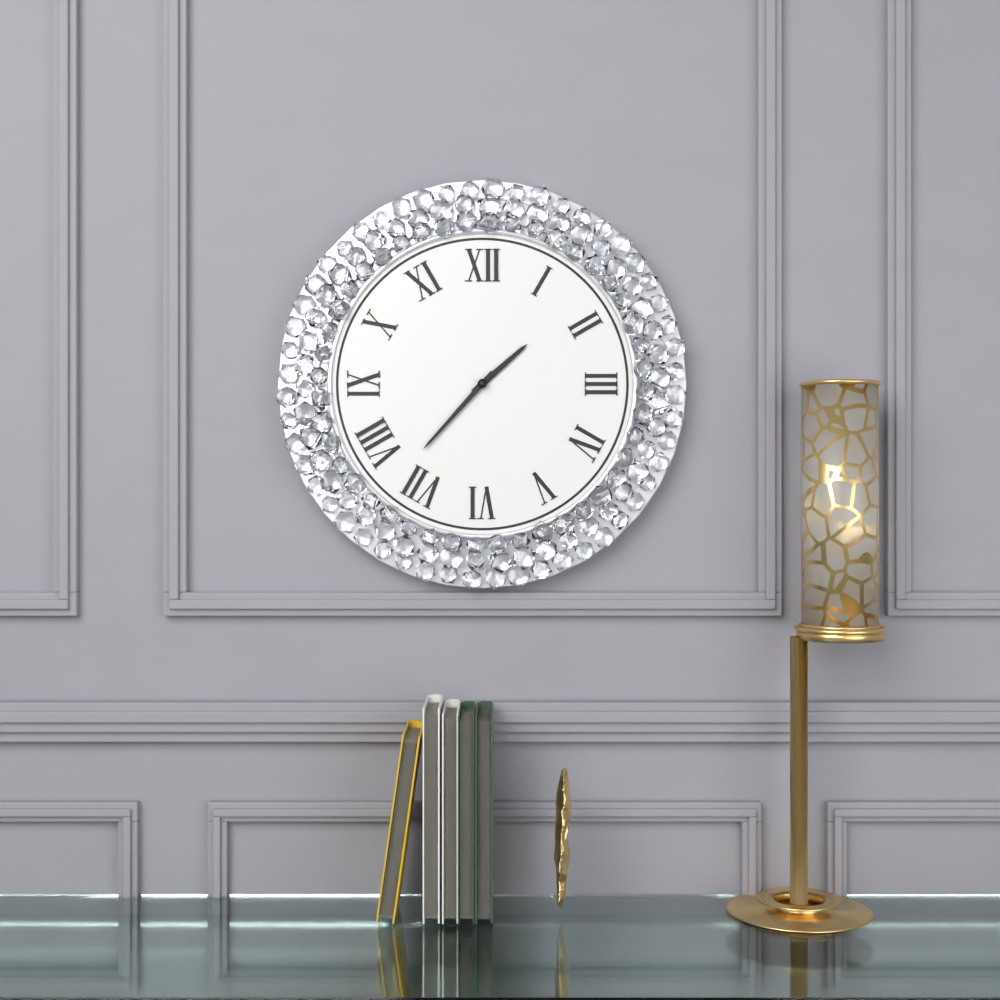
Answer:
1:37
